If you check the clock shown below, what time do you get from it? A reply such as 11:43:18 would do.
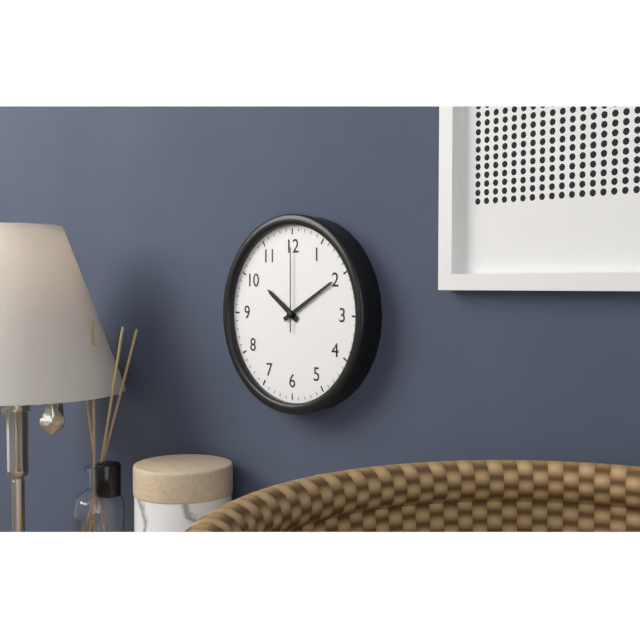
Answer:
10:10:00
